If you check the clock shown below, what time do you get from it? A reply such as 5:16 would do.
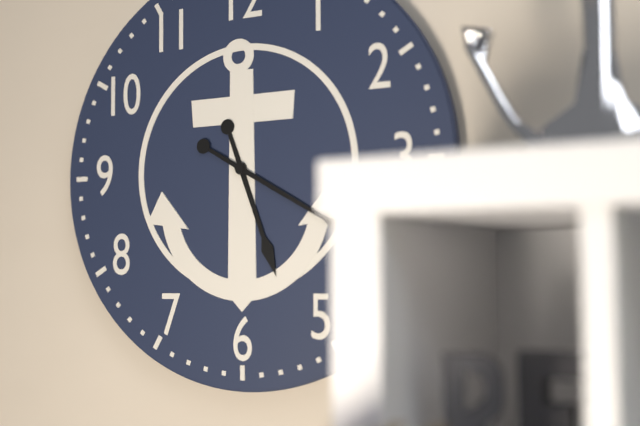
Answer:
5:20
